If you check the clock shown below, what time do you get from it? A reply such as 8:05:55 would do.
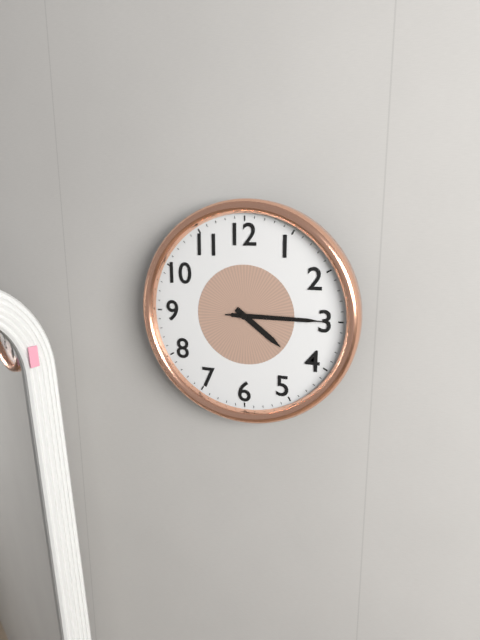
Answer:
4:15:15
